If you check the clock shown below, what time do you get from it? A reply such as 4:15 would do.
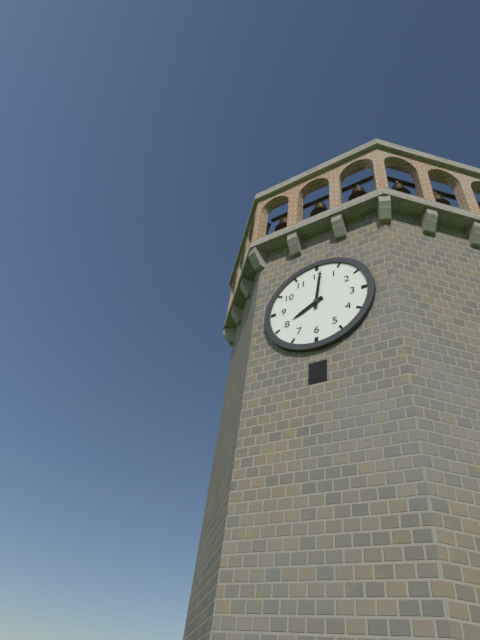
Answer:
8:01
